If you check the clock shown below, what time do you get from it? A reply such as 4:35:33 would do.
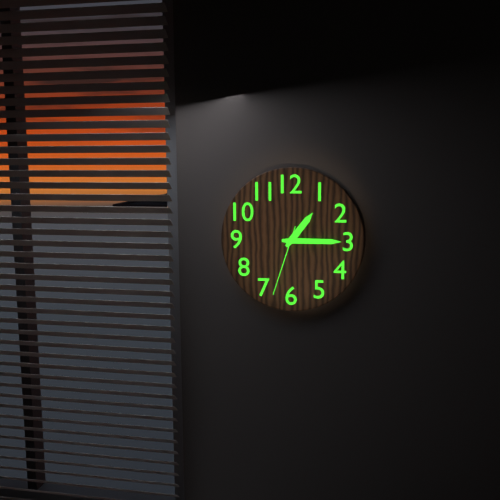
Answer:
1:15:33
